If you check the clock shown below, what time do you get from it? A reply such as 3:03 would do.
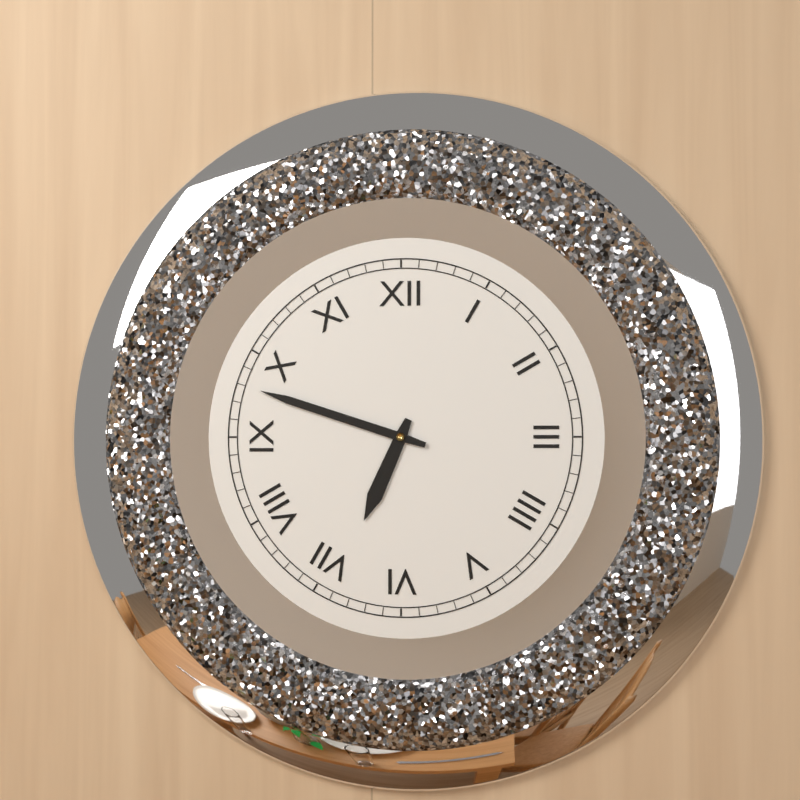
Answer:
6:48
